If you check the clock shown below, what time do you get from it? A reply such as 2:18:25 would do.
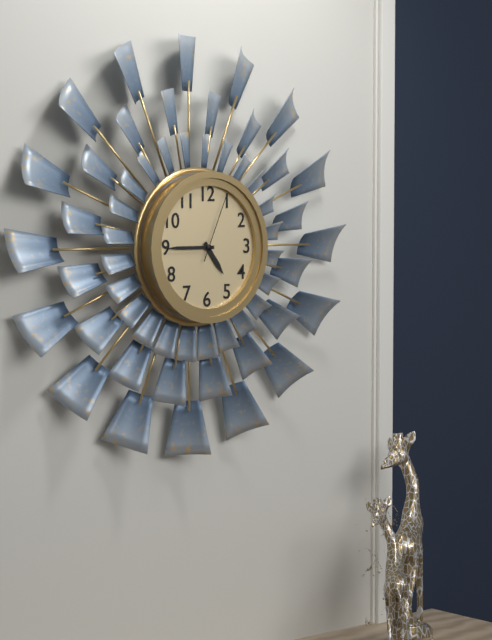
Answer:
4:45:04
